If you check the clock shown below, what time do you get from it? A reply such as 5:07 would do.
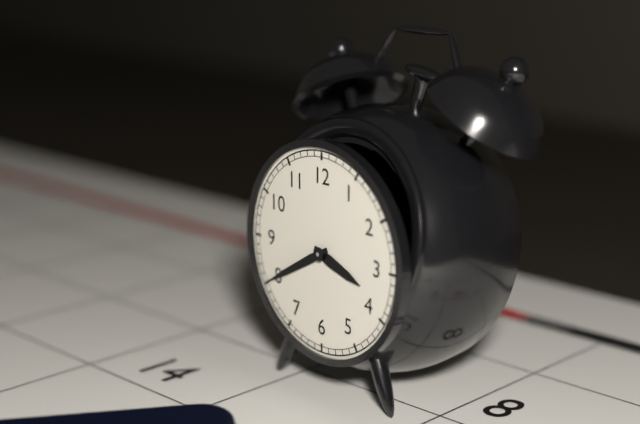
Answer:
3:40
